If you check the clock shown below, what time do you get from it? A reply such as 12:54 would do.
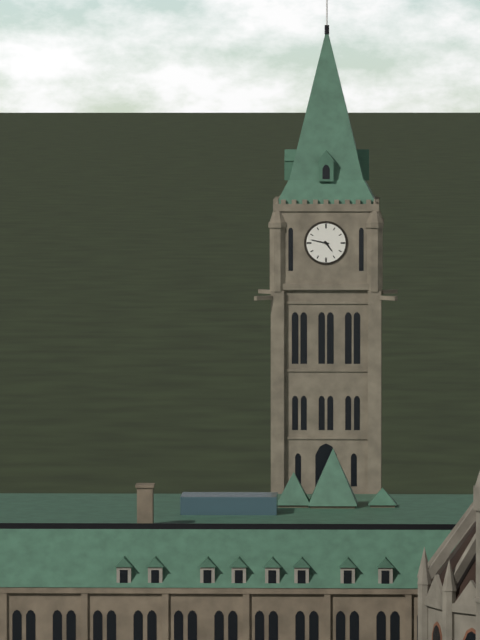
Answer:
4:47
